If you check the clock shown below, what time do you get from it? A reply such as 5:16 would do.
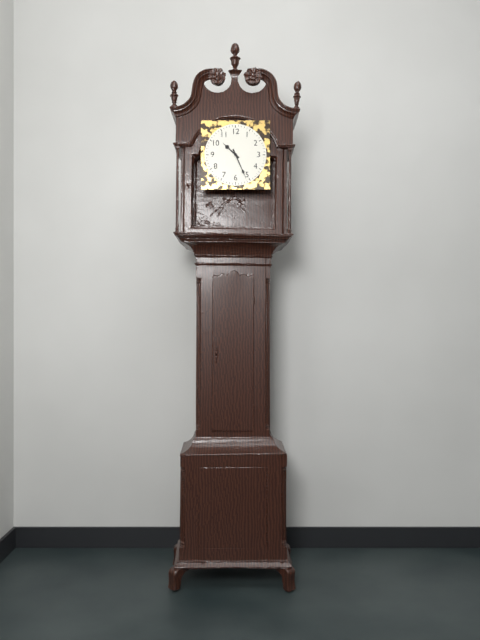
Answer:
10:26
